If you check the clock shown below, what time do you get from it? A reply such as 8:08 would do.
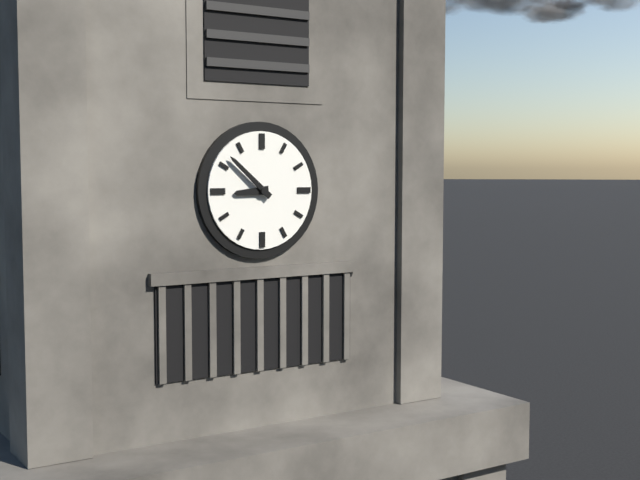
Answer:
8:52
